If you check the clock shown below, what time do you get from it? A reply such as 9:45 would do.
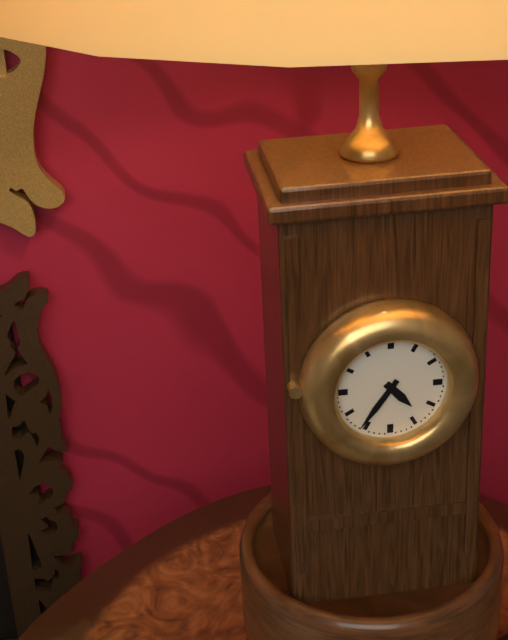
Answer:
4:36
